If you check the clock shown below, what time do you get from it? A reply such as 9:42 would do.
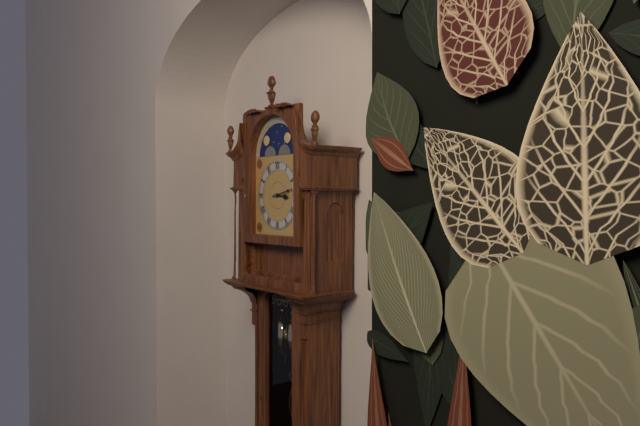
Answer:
3:13
